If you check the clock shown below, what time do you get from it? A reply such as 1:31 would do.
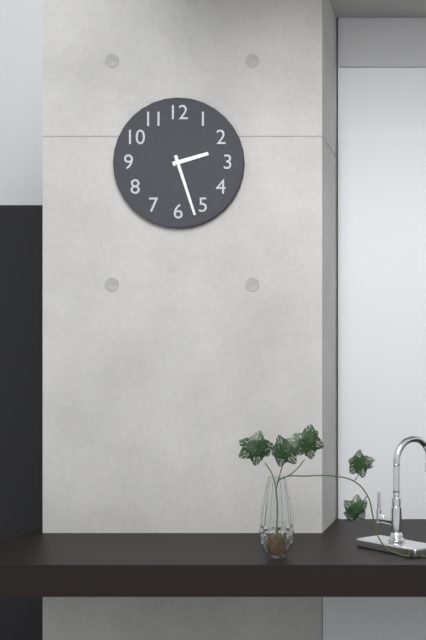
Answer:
2:27
